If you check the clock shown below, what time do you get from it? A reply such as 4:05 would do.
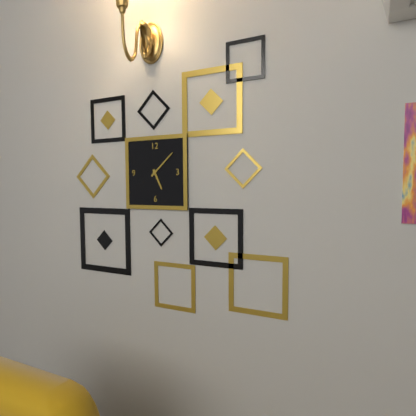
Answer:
5:08
